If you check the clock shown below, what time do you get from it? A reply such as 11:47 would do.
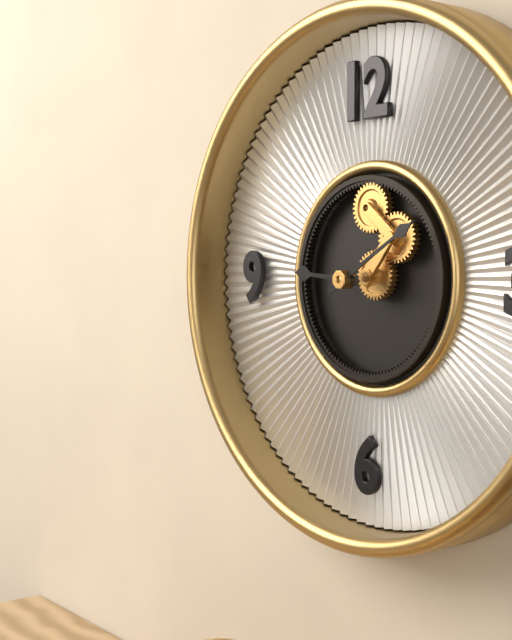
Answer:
9:10
